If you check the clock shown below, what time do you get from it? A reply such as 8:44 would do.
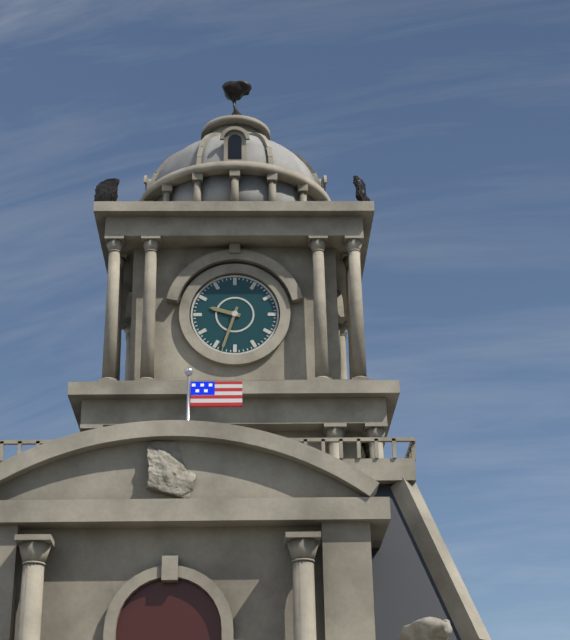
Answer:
9:33
